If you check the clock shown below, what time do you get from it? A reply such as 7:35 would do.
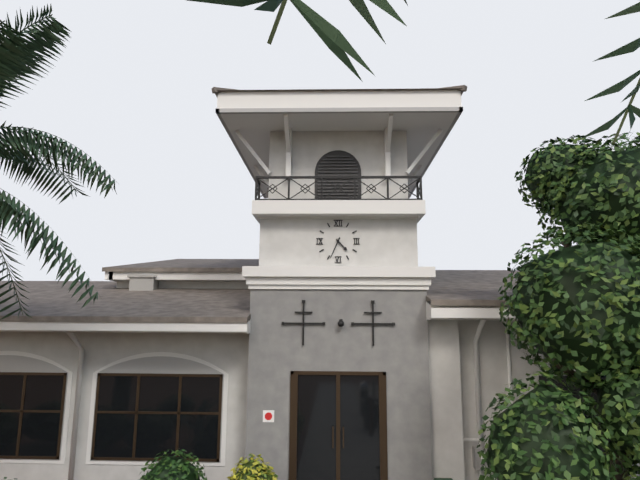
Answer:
4:34
